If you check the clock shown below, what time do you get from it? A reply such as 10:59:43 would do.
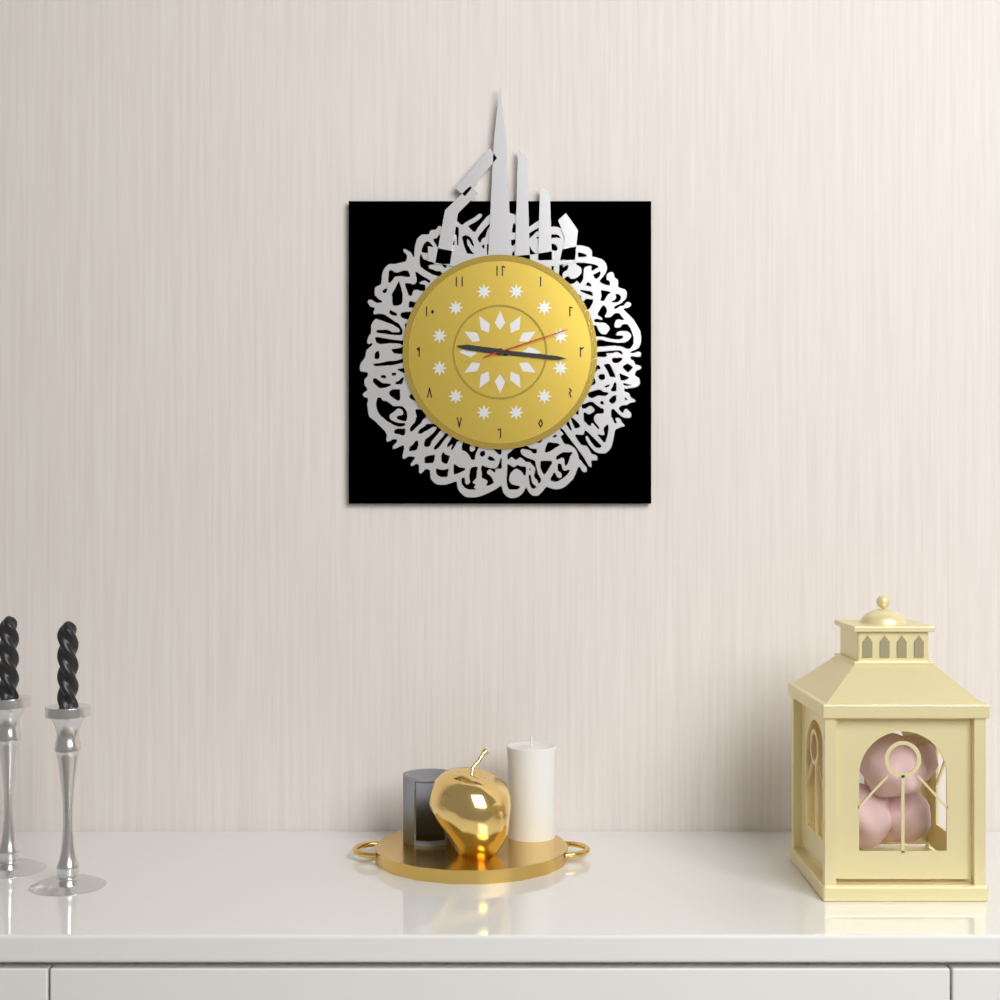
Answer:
9:16:12
